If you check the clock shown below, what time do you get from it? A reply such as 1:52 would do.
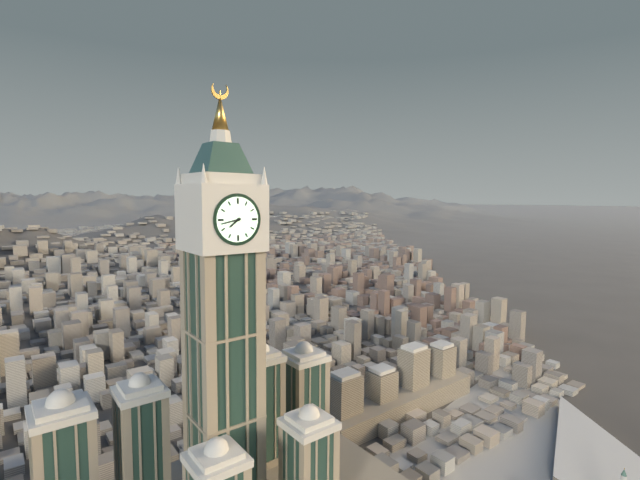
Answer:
7:43
